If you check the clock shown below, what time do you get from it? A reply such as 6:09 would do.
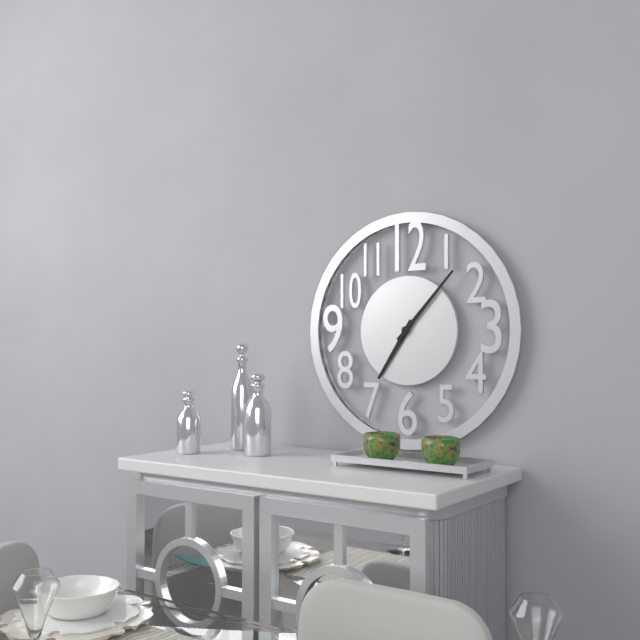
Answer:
7:07
